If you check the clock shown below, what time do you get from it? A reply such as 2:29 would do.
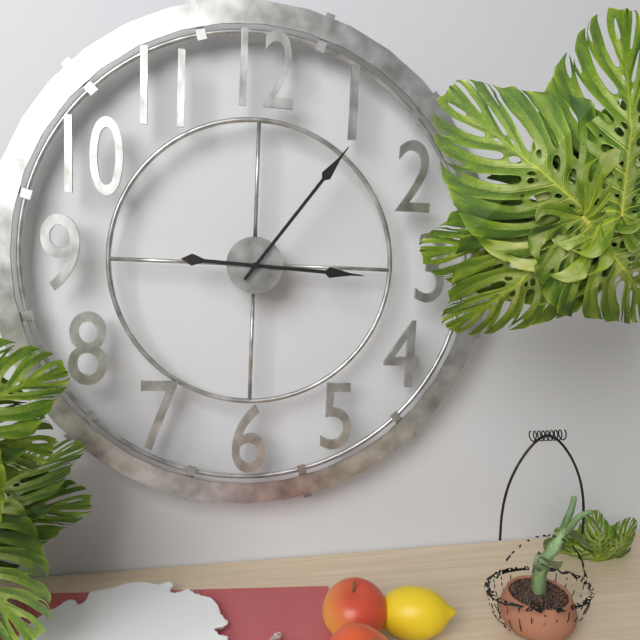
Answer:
3:06
